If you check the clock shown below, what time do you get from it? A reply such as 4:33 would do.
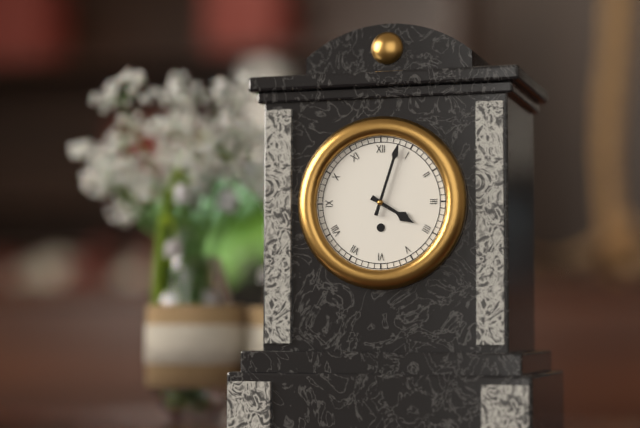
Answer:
4:03
